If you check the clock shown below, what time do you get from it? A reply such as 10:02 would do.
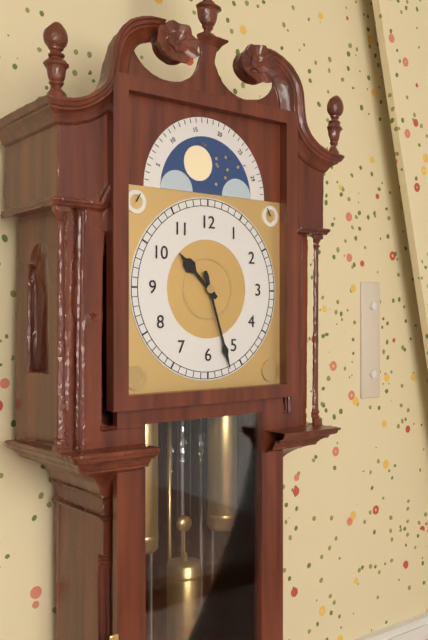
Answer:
10:27
